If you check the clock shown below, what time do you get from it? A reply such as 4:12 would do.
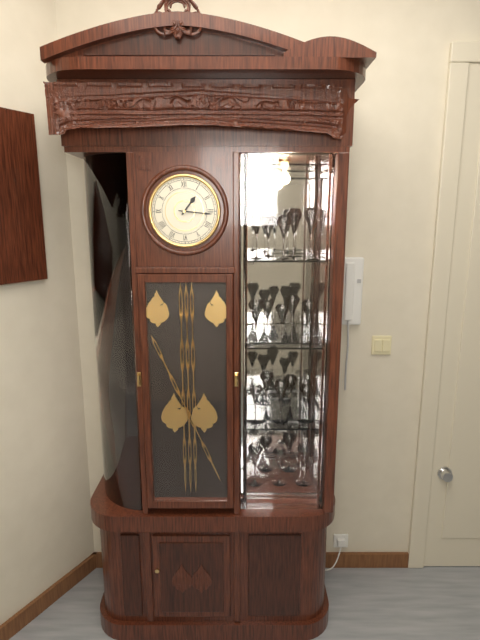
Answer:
1:16
